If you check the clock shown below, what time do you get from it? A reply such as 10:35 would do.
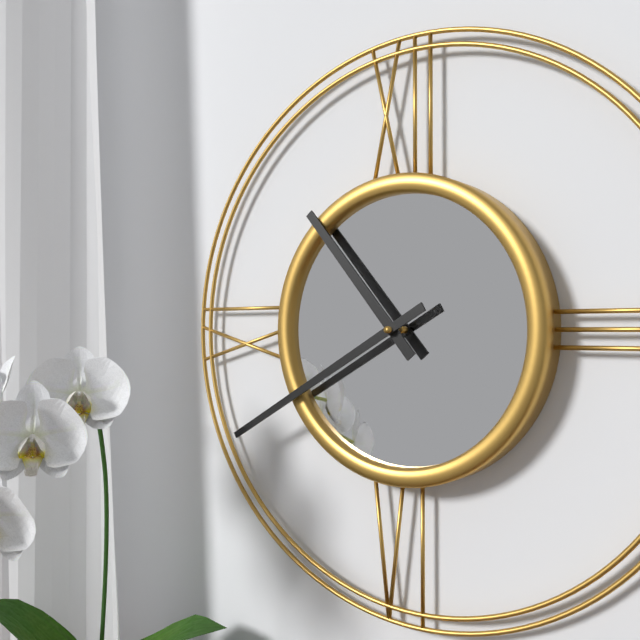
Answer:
10:40
